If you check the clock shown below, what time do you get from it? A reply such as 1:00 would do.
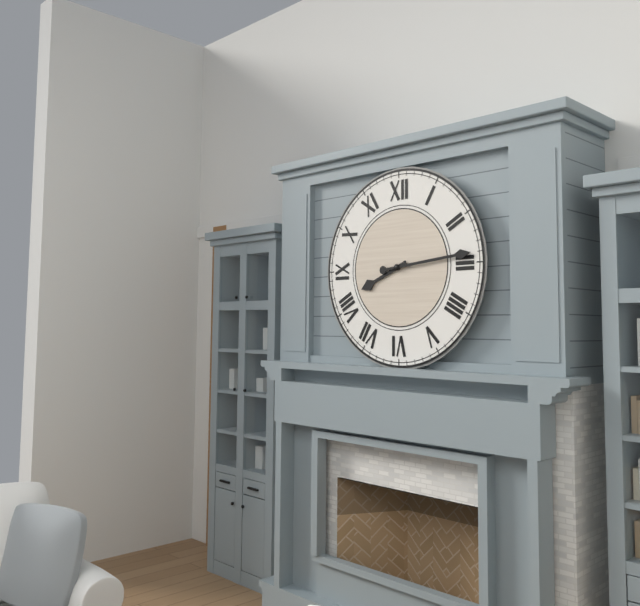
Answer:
8:14
